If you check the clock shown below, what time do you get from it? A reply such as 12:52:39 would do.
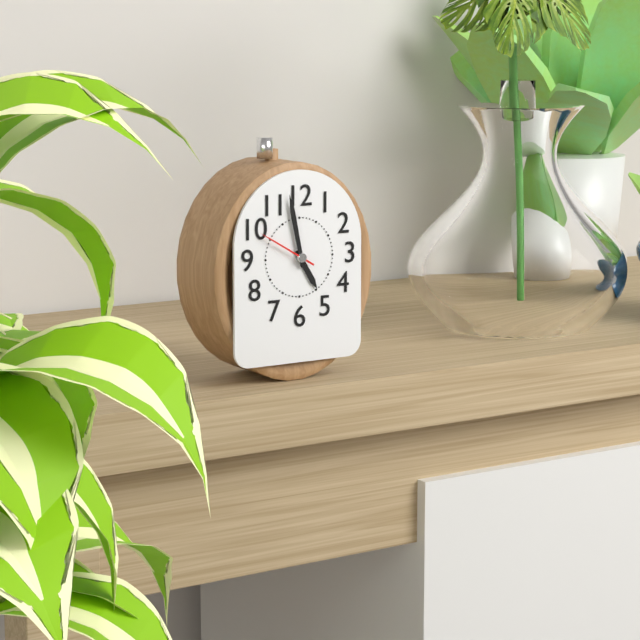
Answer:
4:58:50
